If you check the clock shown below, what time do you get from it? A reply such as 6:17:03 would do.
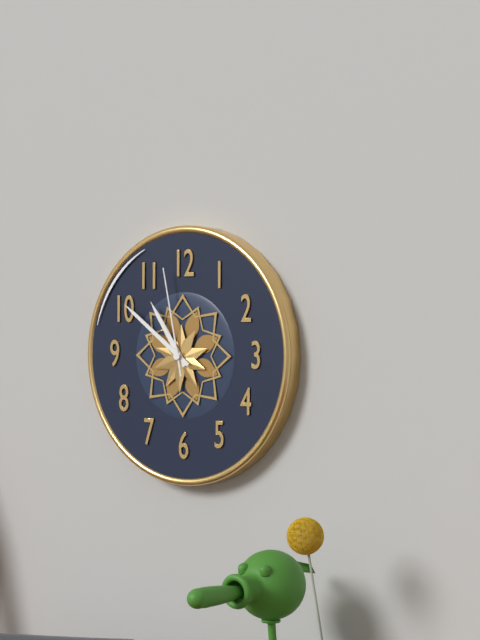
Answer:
10:51:58
